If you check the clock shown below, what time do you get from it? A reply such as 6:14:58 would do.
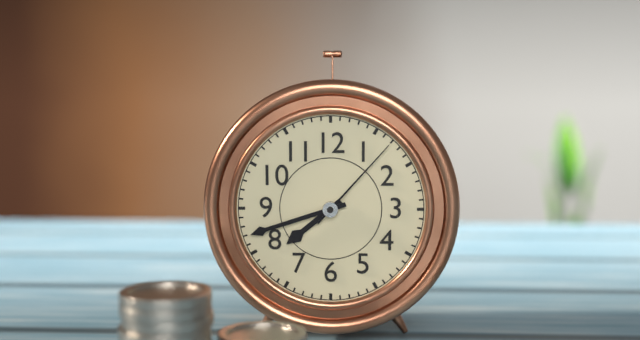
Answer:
7:42:07
